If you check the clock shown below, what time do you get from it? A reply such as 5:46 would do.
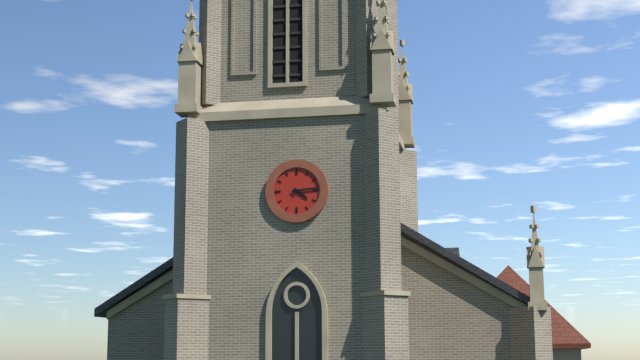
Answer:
4:14
